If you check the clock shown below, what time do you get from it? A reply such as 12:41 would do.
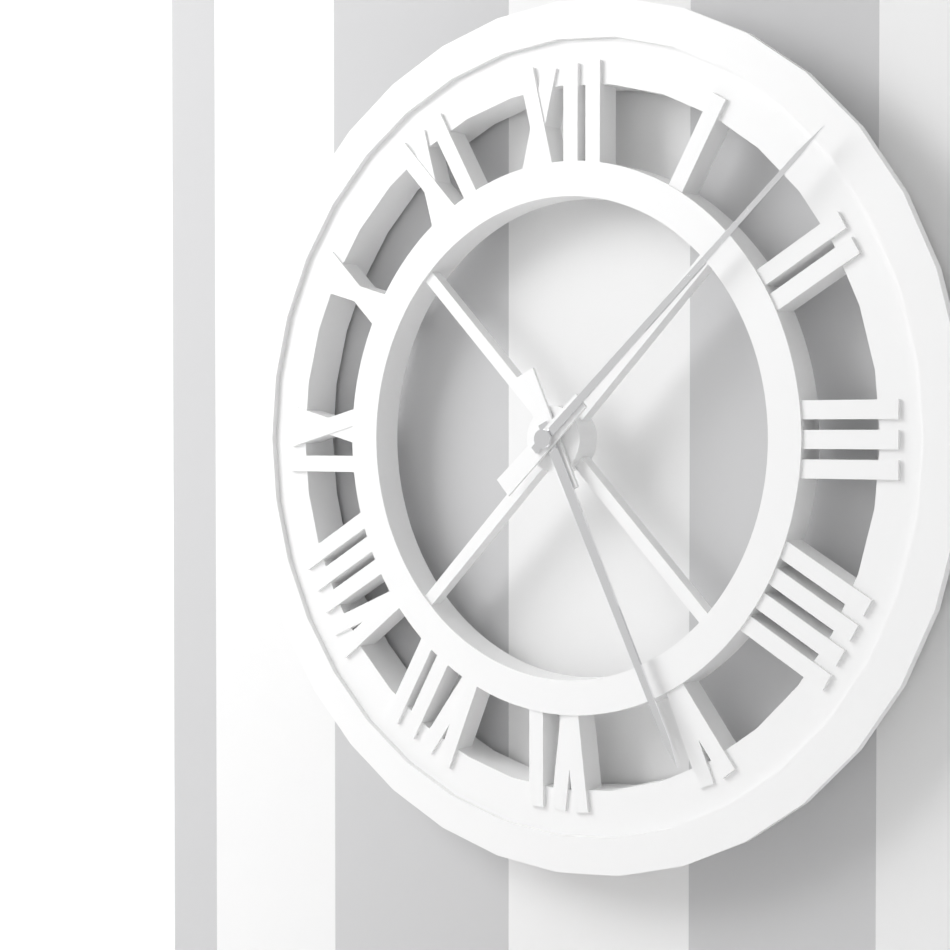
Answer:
5:08
